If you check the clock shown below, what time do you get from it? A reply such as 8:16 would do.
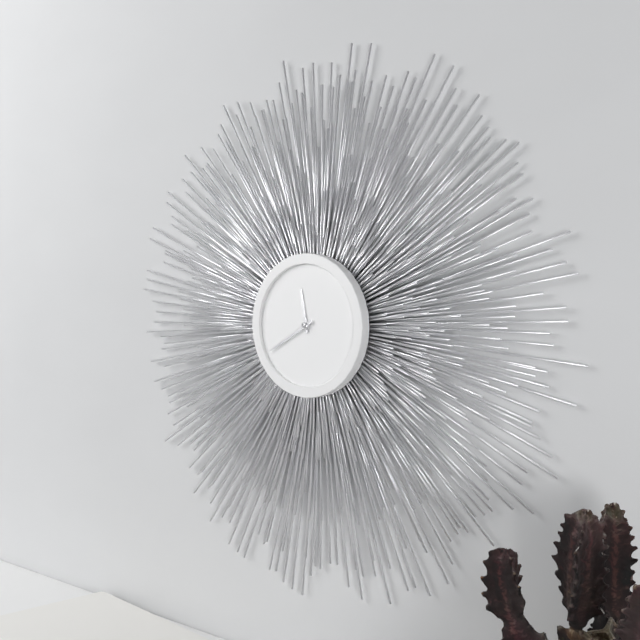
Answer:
11:40
